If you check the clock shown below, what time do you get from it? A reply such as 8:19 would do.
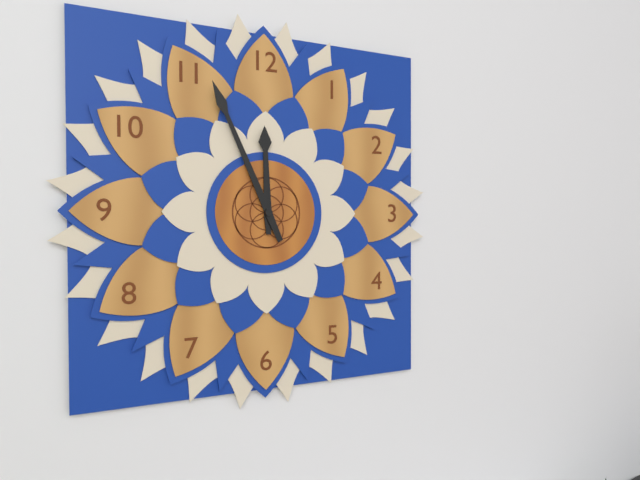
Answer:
11:56
